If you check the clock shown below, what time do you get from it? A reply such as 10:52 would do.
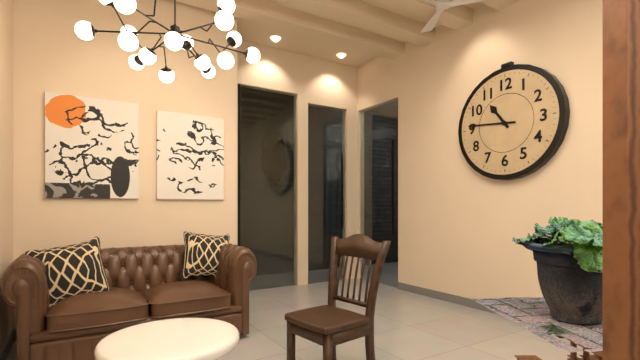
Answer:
10:46
